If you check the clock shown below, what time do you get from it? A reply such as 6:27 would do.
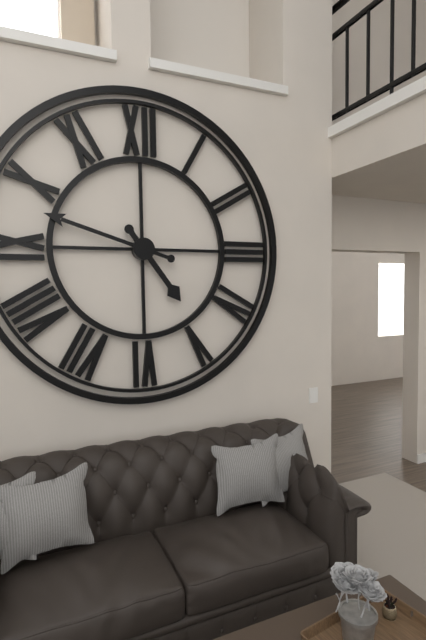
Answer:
4:48
